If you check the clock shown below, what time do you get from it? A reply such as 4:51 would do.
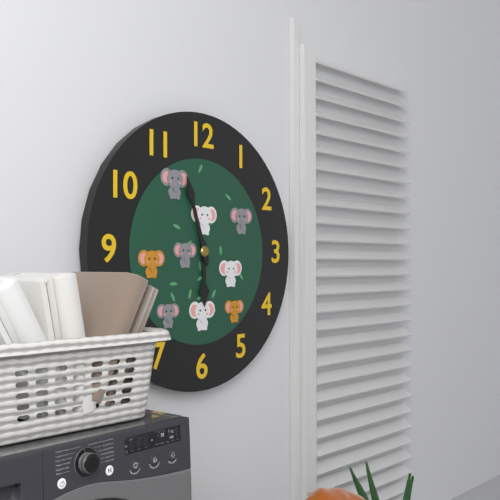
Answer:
5:57
